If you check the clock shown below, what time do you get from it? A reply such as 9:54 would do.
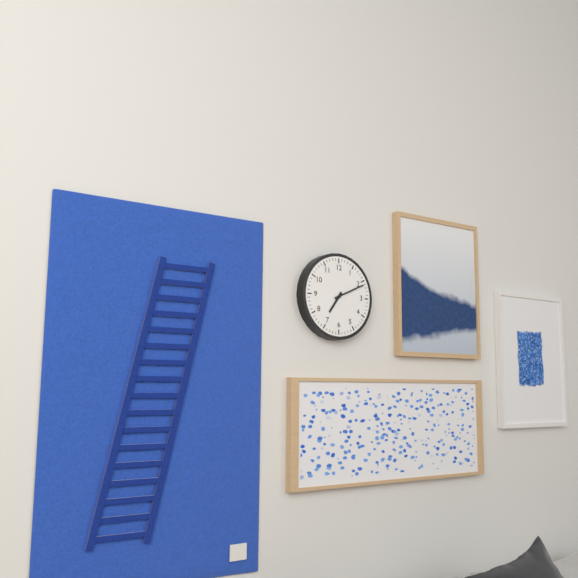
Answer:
7:11
